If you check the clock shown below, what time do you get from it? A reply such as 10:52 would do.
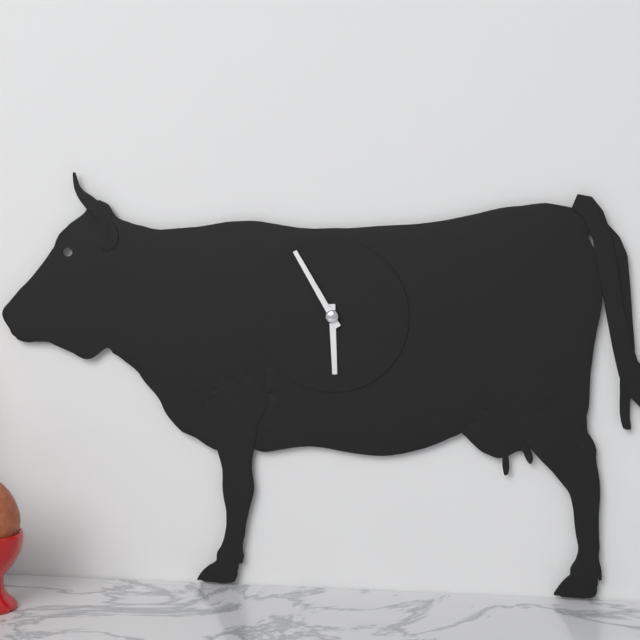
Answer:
5:55
